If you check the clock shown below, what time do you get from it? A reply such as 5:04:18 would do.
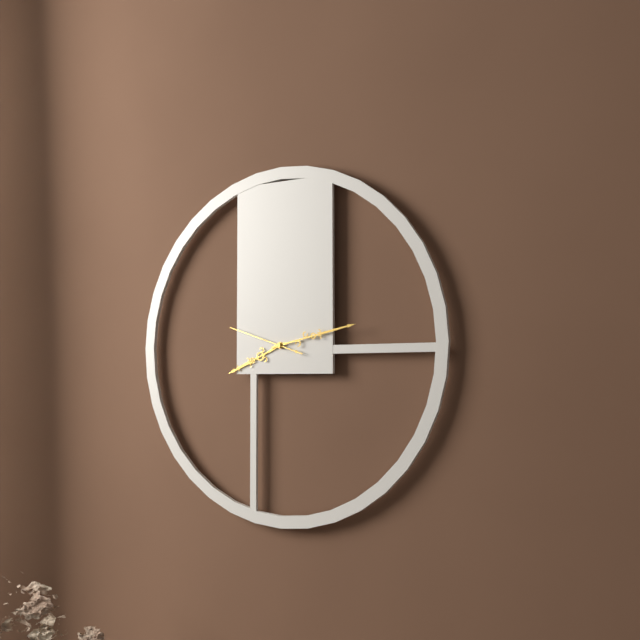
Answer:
8:13:48
